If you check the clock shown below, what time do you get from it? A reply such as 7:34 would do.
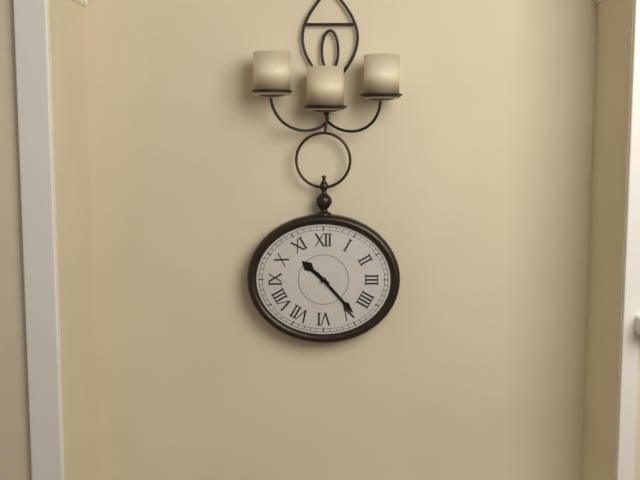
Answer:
10:23
